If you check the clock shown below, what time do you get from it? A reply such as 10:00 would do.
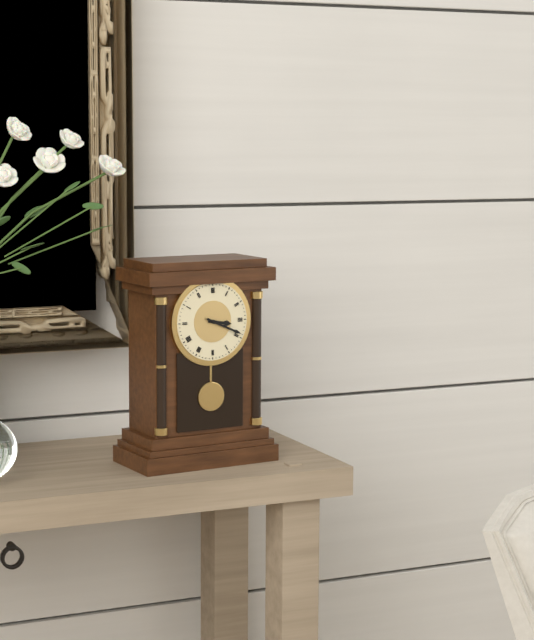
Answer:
3:19
